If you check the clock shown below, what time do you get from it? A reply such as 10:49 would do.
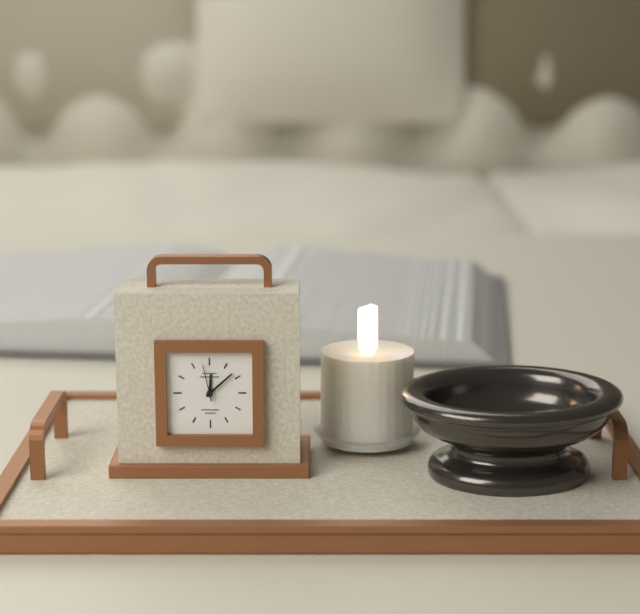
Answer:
12:08
